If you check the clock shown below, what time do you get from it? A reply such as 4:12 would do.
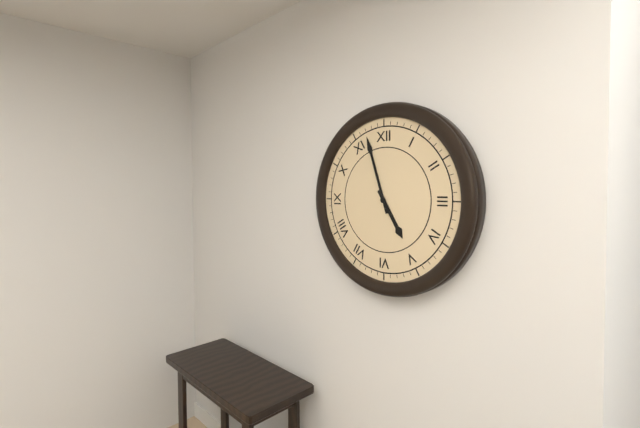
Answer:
4:57
